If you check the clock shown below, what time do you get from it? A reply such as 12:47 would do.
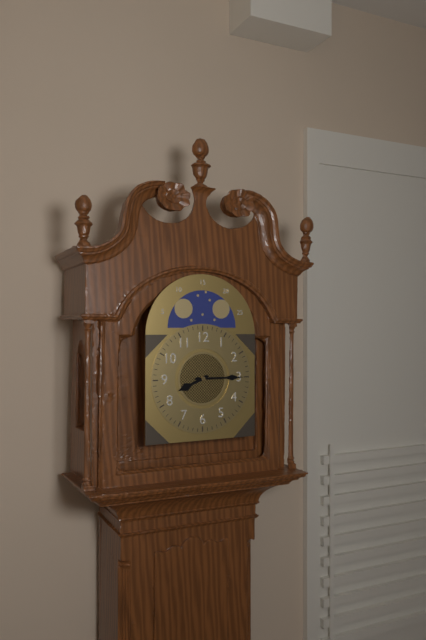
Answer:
8:15
